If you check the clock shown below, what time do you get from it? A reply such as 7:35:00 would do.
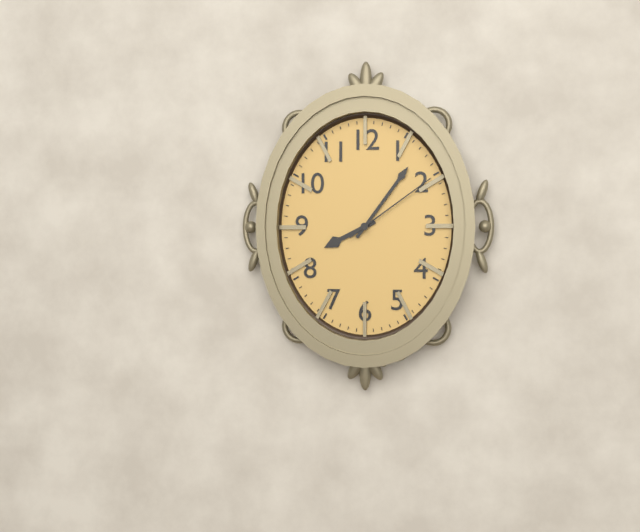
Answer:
8:06:09
